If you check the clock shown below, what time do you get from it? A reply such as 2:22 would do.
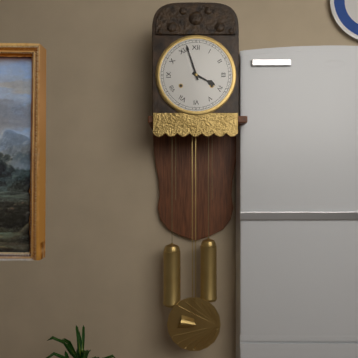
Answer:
3:57
